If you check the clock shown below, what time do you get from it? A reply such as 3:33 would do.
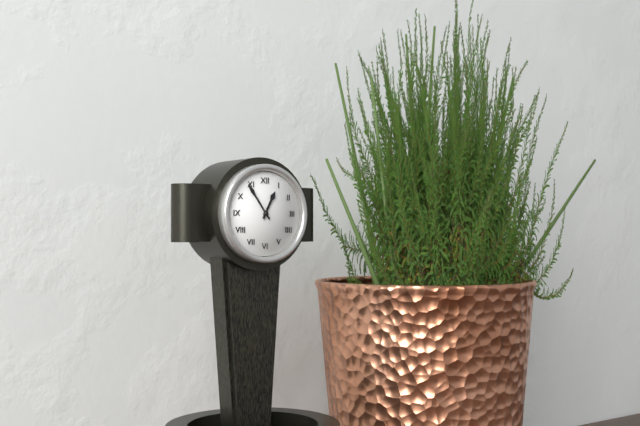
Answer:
12:54
